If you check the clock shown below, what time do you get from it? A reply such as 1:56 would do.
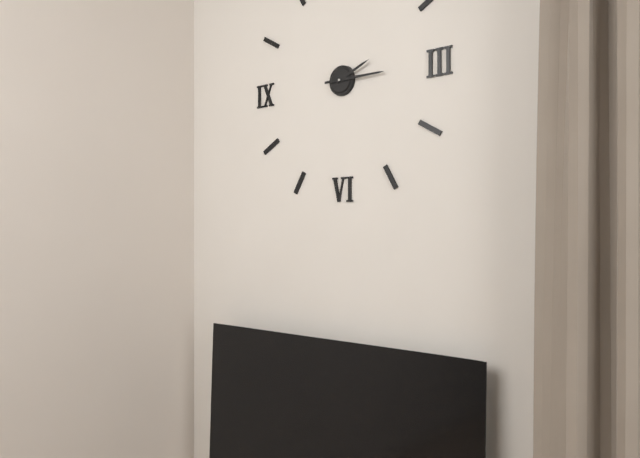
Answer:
2:15
